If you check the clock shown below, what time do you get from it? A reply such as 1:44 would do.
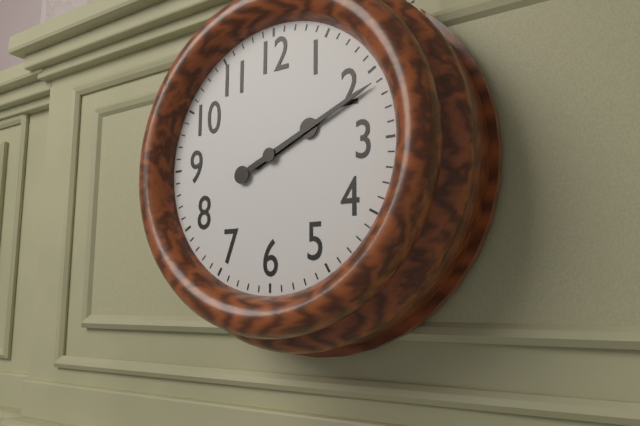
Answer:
2:11
